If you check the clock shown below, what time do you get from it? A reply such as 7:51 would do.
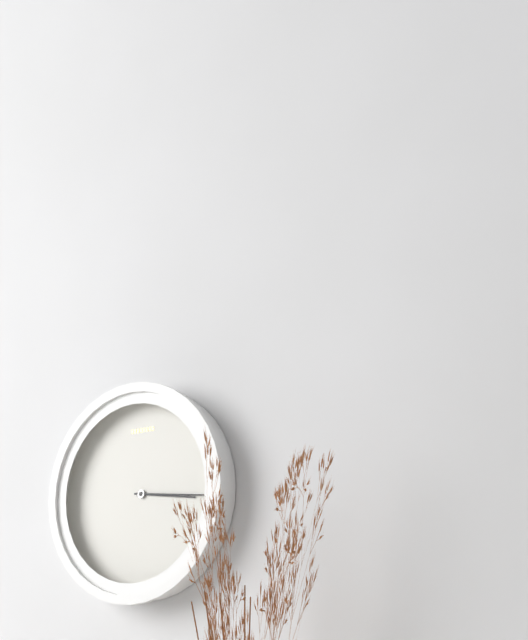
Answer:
3:16
